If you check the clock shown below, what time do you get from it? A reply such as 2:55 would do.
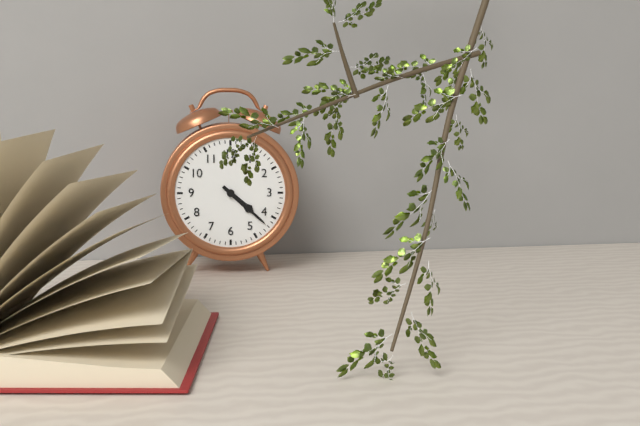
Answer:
4:22
